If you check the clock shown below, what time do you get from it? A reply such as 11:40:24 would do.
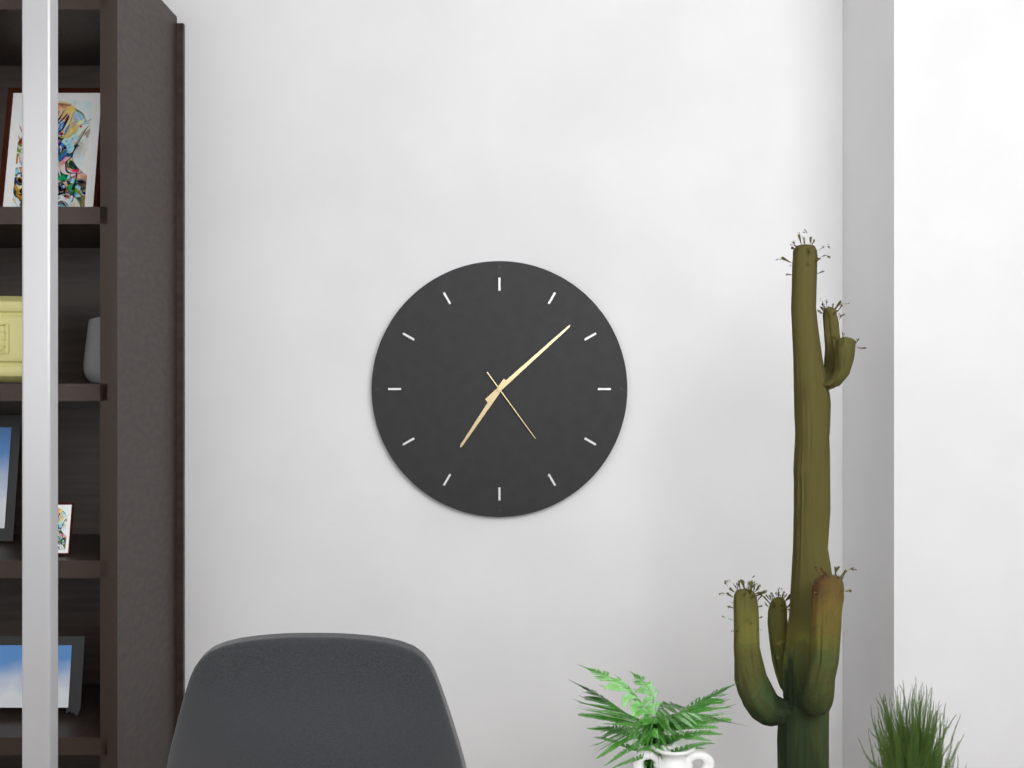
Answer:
7:08:24
